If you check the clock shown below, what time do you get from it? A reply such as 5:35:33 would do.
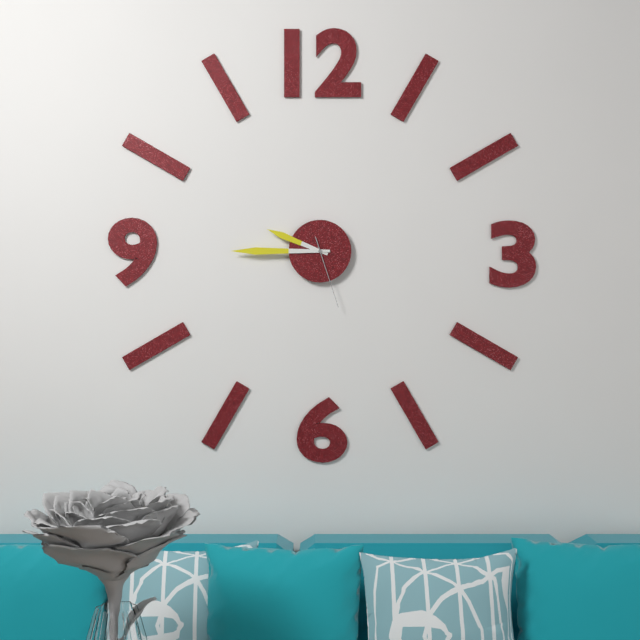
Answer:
9:45:27
